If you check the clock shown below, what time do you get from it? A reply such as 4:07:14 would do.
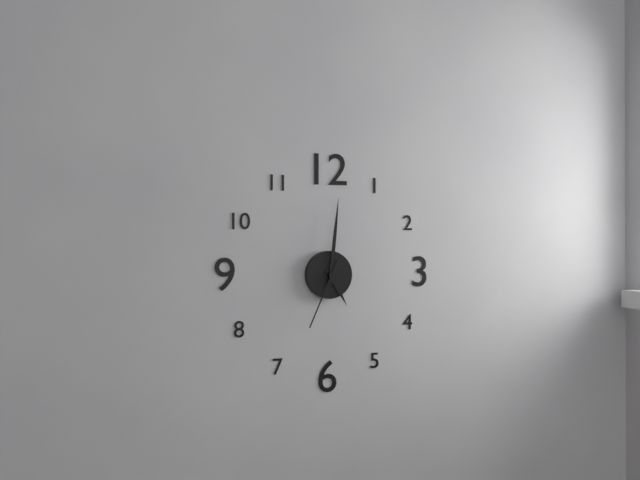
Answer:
5:01:34
